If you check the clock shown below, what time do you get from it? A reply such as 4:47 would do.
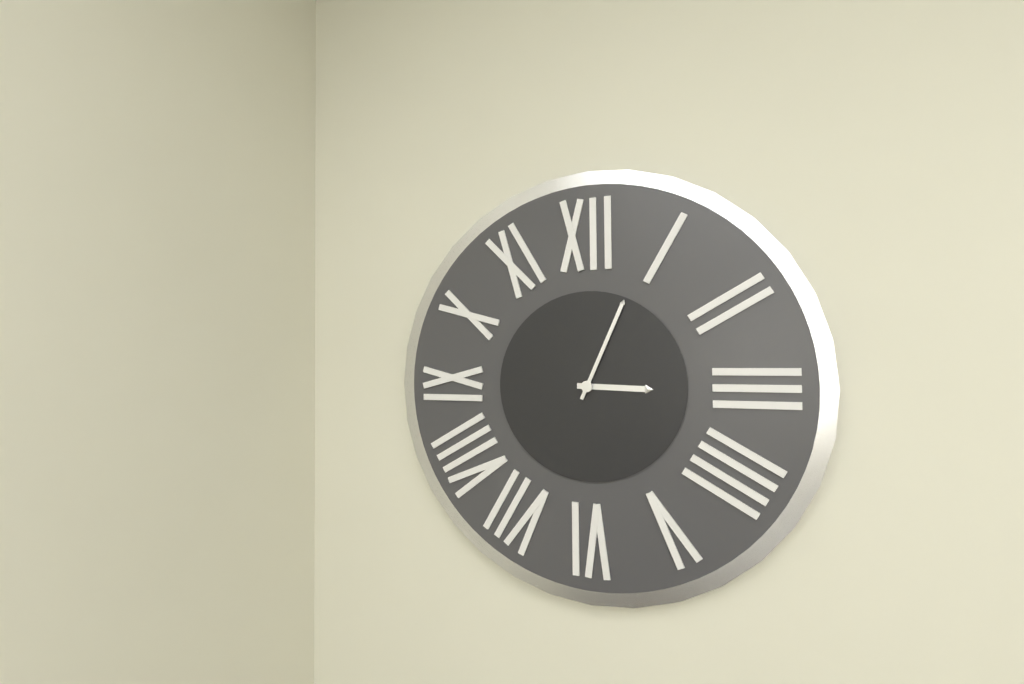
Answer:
3:04
